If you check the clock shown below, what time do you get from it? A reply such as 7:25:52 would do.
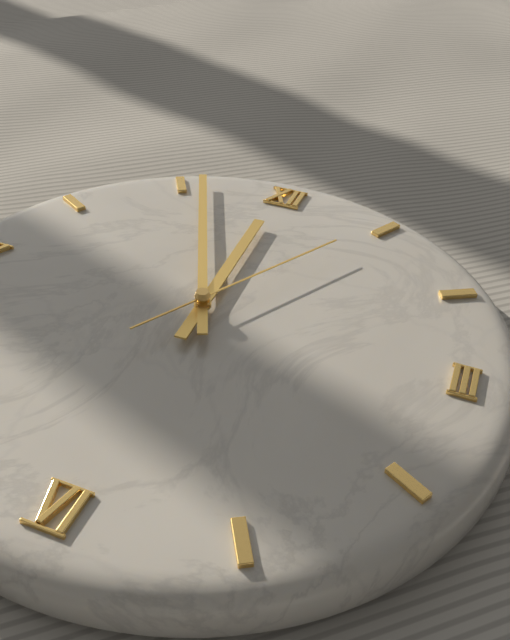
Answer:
11:56:05
